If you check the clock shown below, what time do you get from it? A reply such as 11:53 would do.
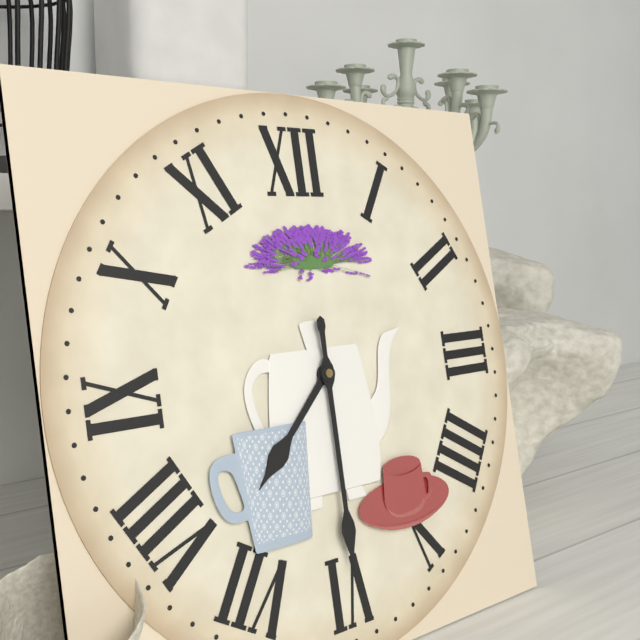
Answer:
7:30
